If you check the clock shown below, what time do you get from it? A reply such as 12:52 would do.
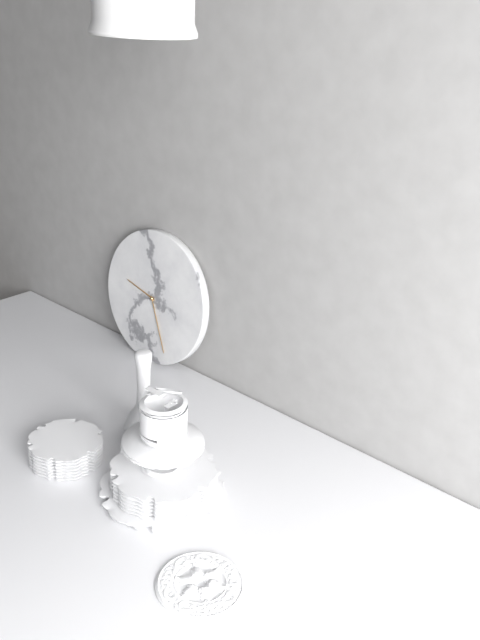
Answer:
9:26
